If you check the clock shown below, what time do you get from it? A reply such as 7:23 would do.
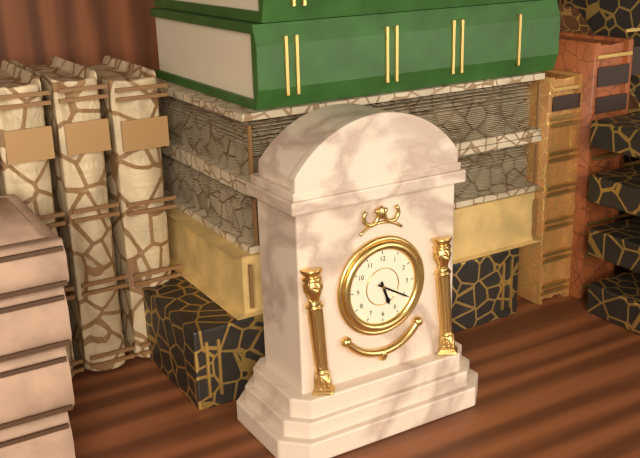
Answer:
5:20
